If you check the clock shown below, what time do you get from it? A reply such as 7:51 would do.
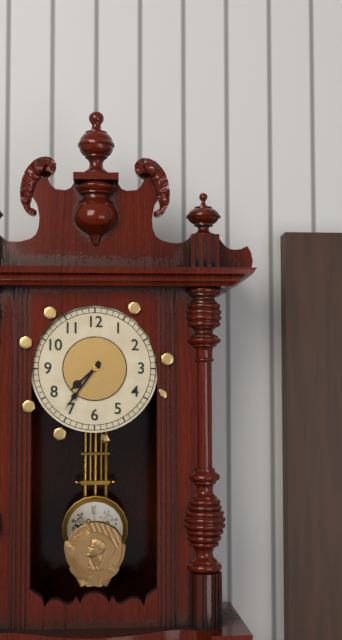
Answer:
7:36
